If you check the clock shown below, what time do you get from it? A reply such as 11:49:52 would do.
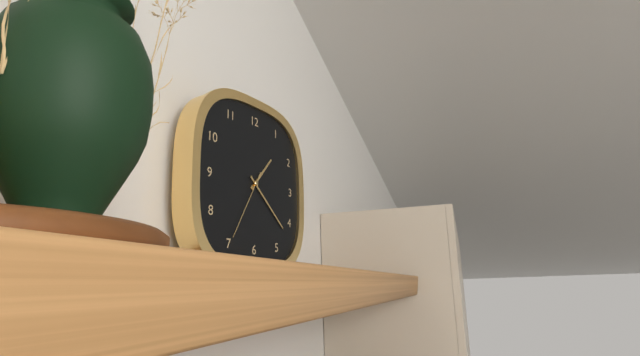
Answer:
1:22:35
